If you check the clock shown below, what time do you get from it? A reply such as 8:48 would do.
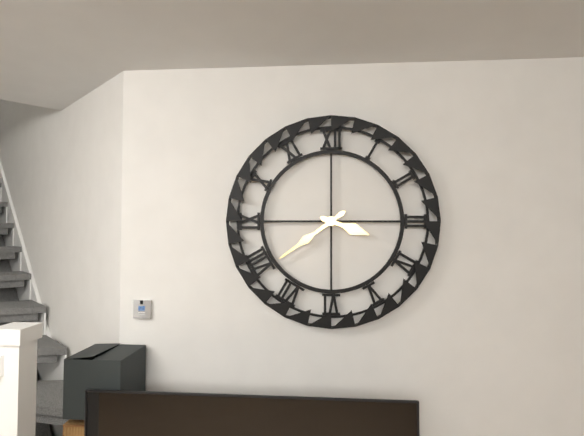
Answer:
3:39
